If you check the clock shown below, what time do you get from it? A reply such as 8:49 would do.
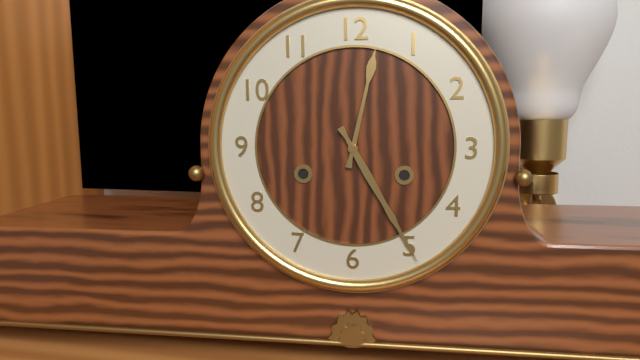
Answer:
12:25
